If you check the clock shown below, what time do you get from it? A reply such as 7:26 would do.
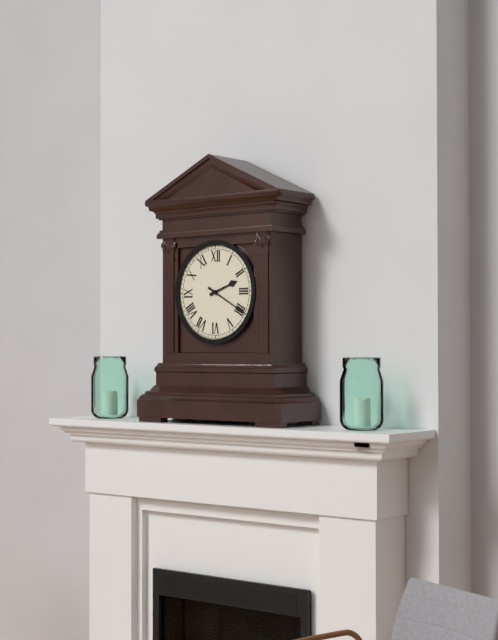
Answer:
2:20
